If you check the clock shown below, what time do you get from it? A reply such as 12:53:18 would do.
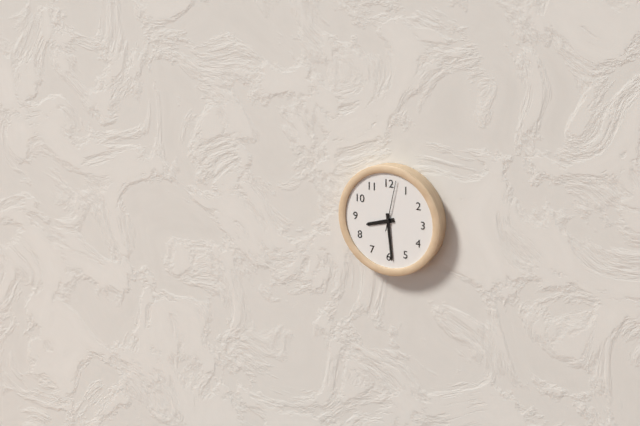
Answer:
8:29:02
